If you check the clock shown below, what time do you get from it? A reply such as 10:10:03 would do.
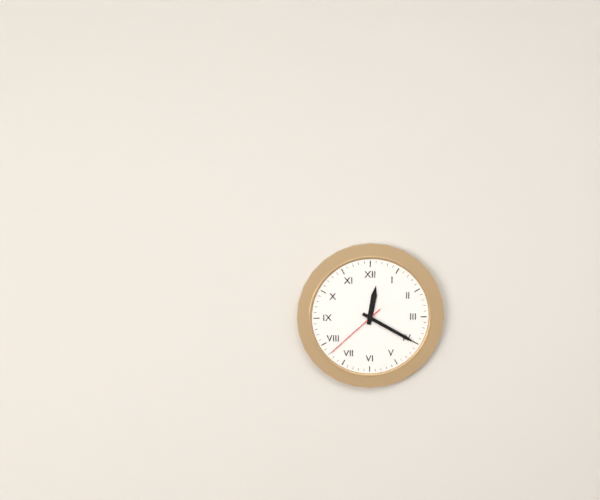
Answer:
12:20:38
